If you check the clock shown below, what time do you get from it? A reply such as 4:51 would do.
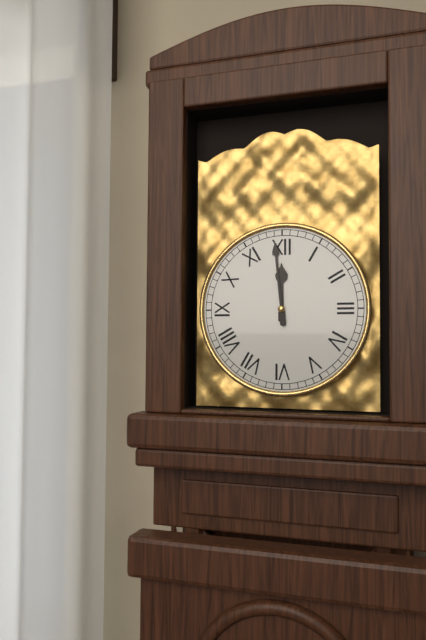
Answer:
11:59
